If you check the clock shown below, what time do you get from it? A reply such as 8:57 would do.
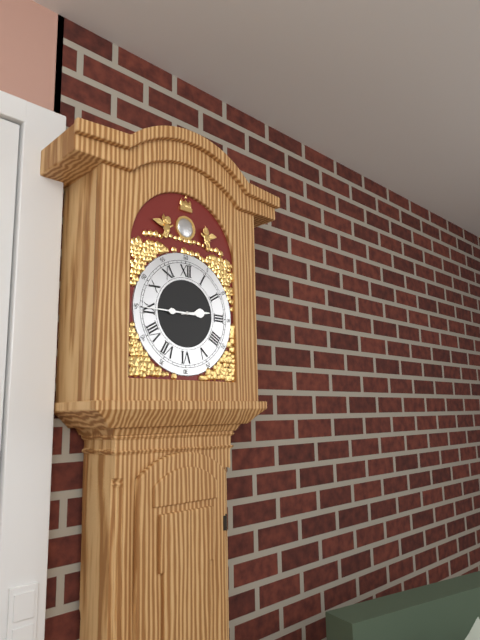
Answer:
2:45
